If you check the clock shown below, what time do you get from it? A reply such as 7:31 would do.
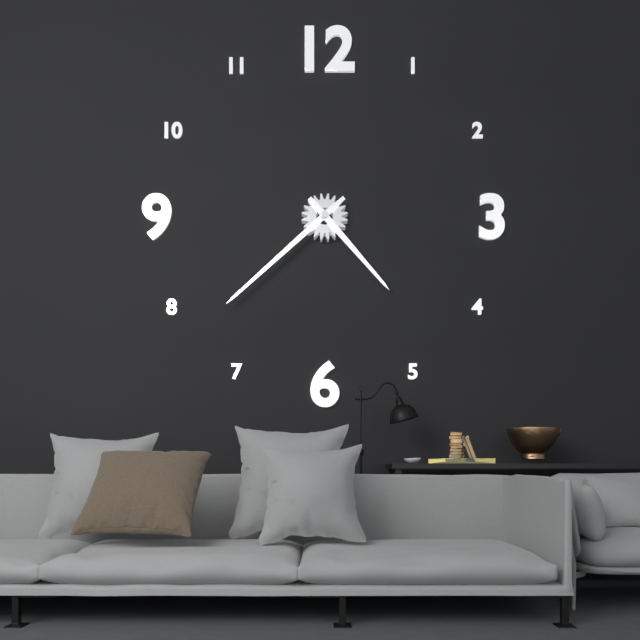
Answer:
4:38
